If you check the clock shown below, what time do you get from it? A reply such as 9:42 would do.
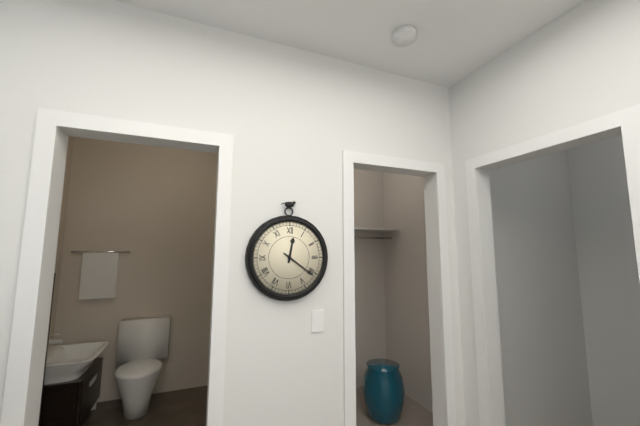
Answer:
12:21
